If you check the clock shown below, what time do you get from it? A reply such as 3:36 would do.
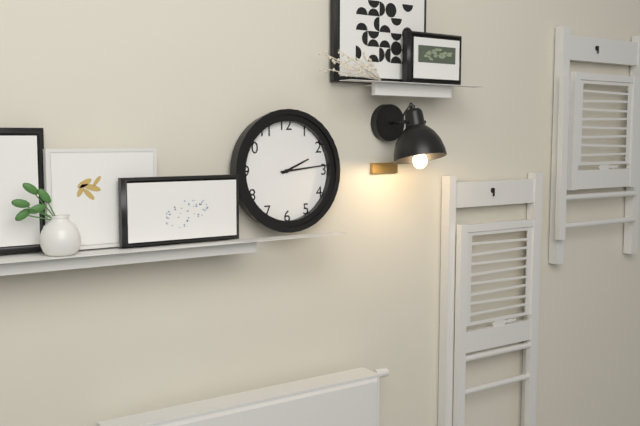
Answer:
2:14
